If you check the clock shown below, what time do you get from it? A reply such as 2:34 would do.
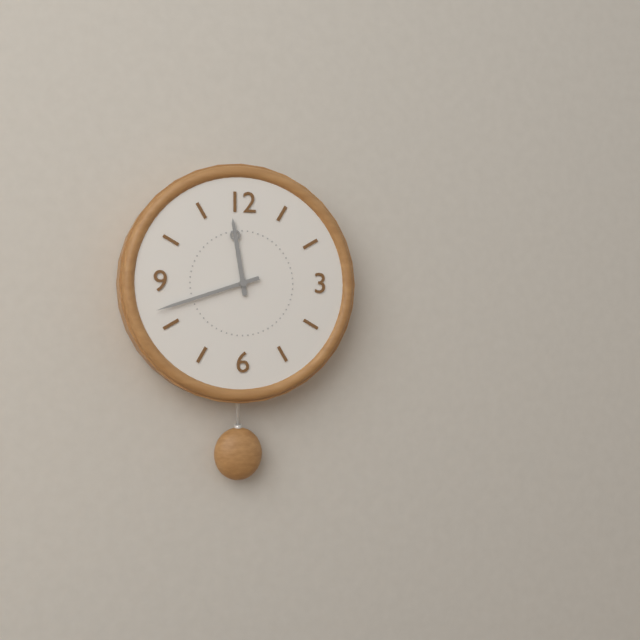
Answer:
11:42
